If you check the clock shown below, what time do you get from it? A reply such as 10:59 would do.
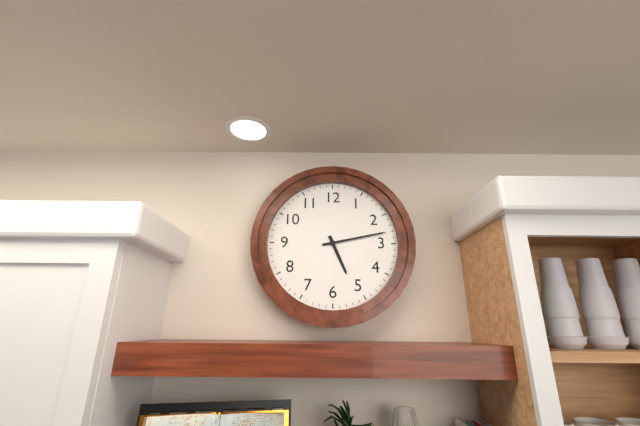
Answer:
5:13
